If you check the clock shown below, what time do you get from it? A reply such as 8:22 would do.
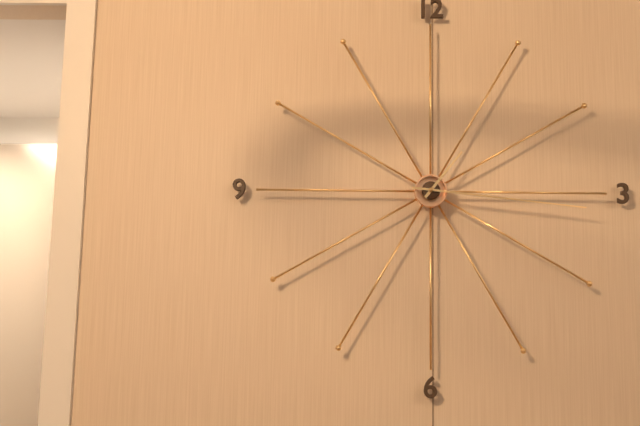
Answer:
1:16
